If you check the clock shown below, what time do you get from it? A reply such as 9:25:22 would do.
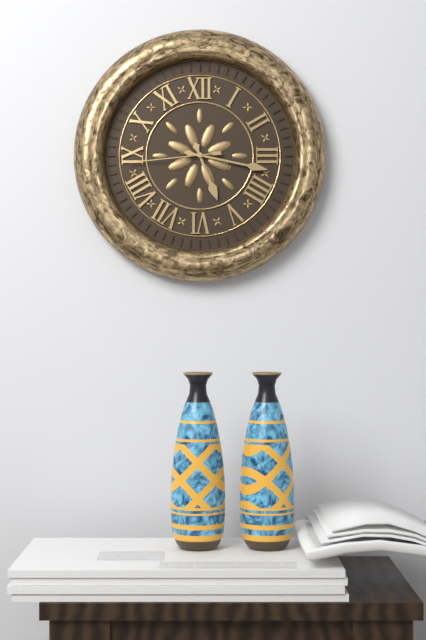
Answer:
5:17:44
